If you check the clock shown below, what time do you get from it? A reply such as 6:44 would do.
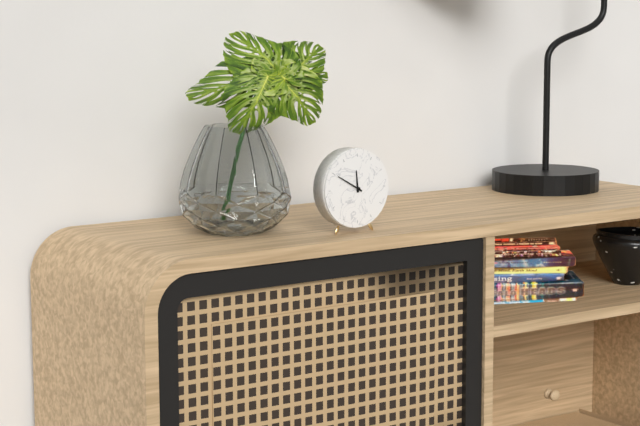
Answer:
11:50
